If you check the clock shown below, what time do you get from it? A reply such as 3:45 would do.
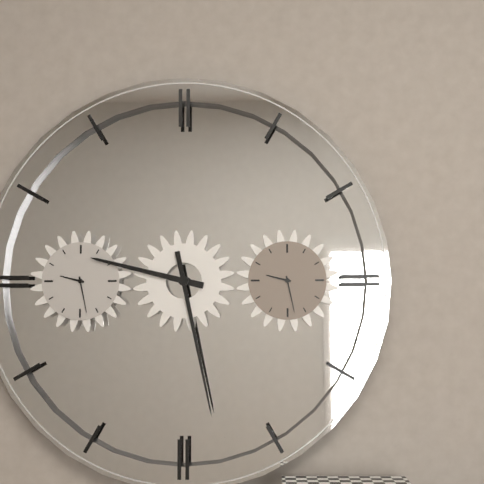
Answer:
9:28
